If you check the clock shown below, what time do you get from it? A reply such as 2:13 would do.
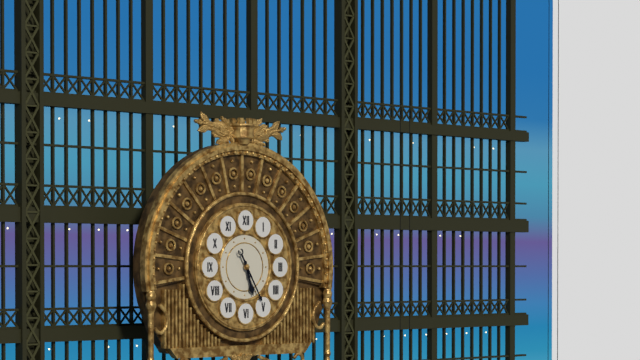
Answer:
5:25
